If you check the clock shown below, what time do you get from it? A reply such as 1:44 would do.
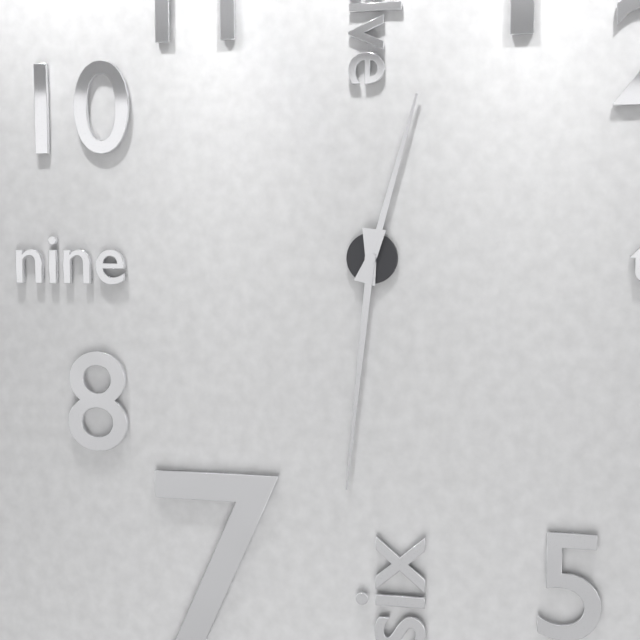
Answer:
12:31
